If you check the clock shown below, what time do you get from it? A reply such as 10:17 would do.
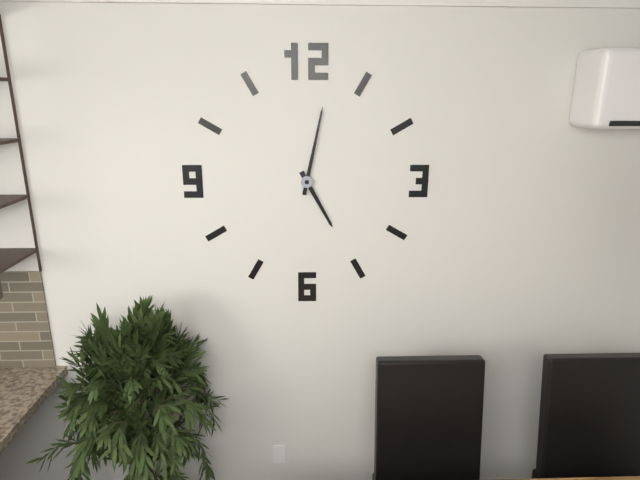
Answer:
5:02
